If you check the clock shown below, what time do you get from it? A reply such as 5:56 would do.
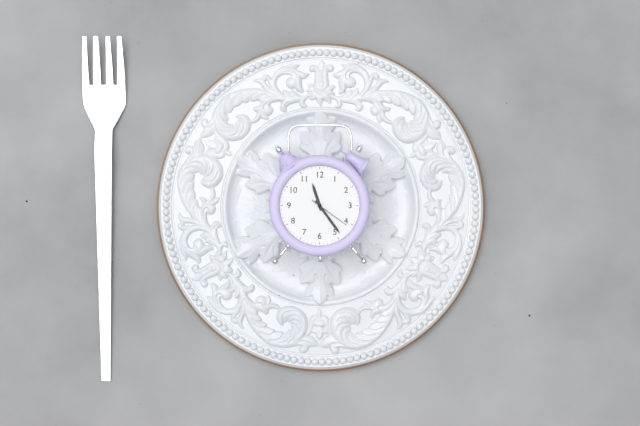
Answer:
11:24
